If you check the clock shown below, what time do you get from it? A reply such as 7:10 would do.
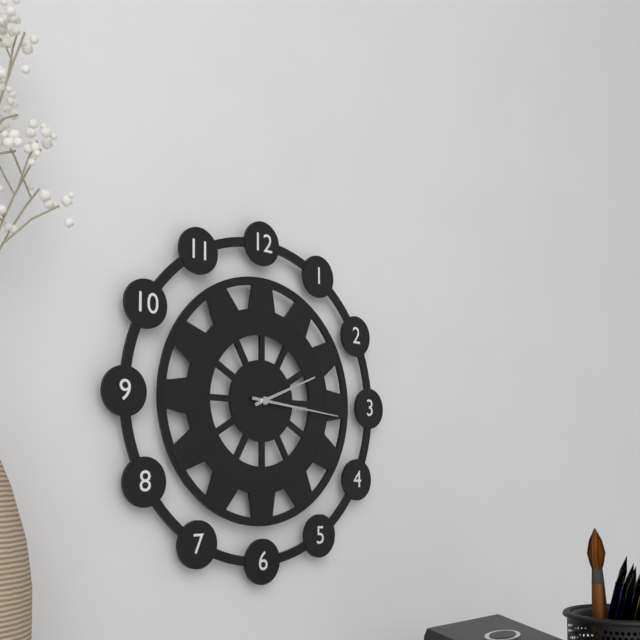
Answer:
2:16
